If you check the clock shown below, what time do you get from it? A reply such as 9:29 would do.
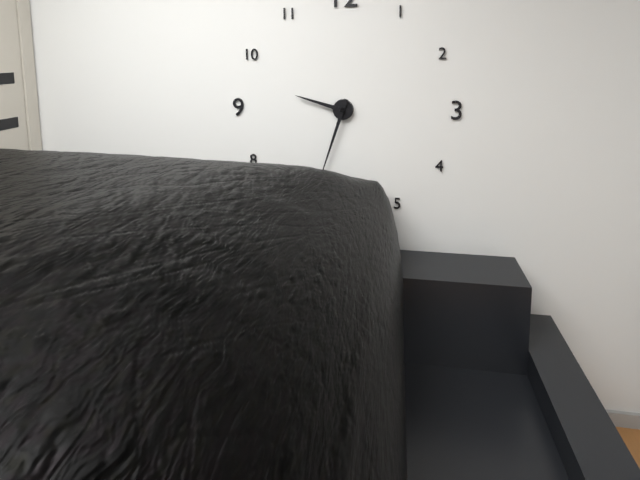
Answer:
9:33
